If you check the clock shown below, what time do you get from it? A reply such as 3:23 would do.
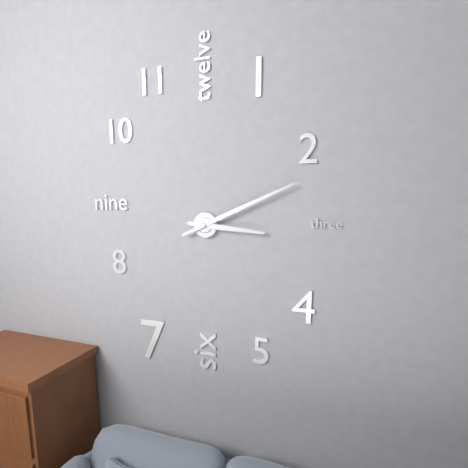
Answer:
3:11
